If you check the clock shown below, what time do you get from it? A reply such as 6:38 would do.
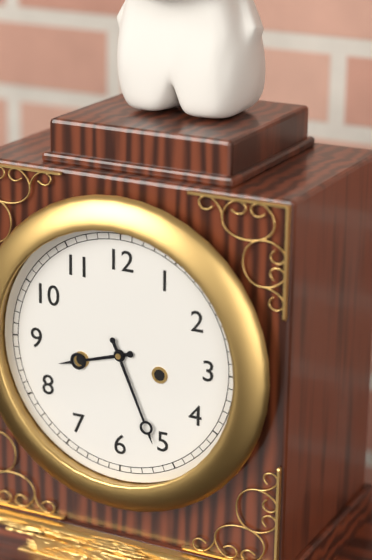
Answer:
8:26
